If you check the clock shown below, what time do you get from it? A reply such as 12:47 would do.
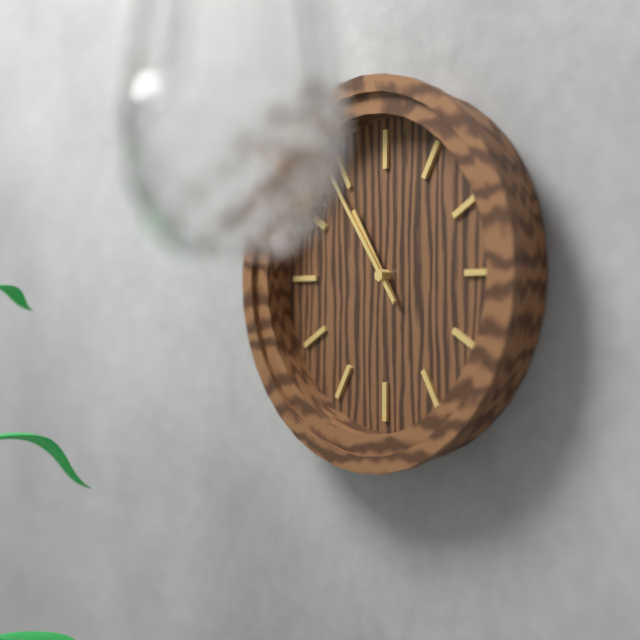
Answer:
10:54
